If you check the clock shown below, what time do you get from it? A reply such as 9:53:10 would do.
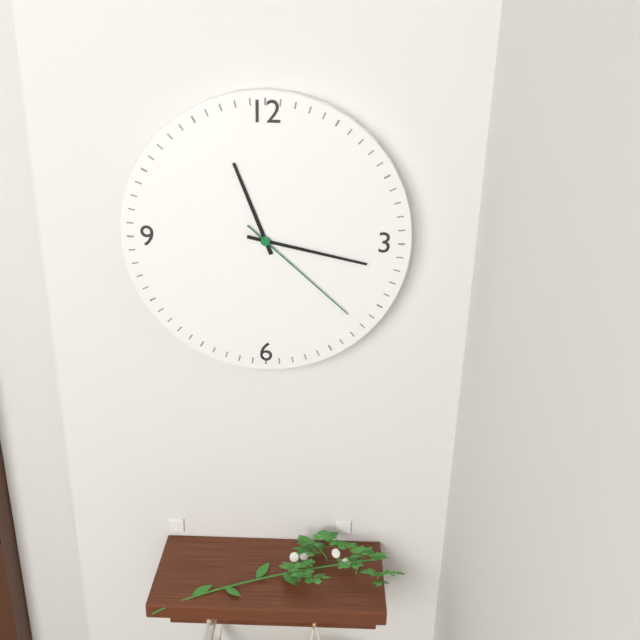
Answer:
11:17:22
